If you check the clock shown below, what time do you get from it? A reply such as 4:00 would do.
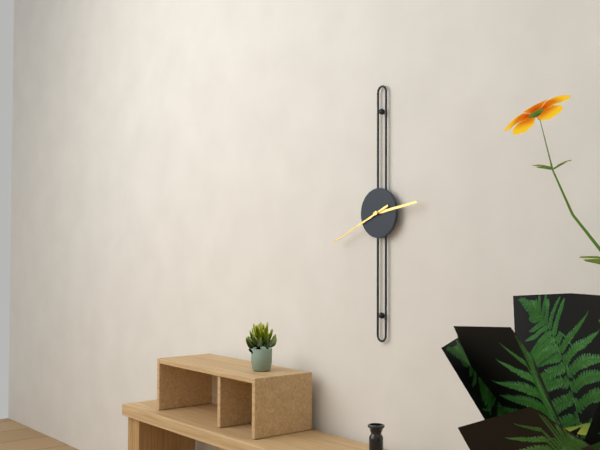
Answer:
2:41
